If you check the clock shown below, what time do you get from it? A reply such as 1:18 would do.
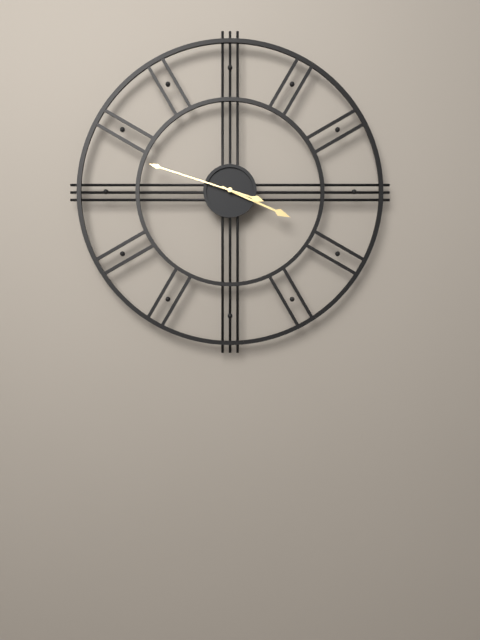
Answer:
3:48
